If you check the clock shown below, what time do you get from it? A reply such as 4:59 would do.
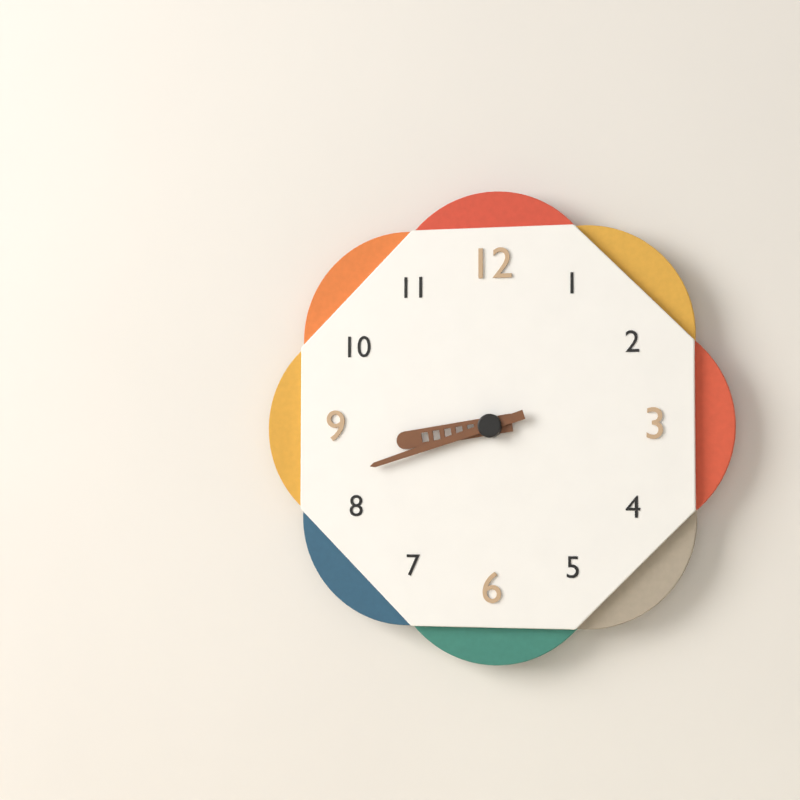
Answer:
8:42
